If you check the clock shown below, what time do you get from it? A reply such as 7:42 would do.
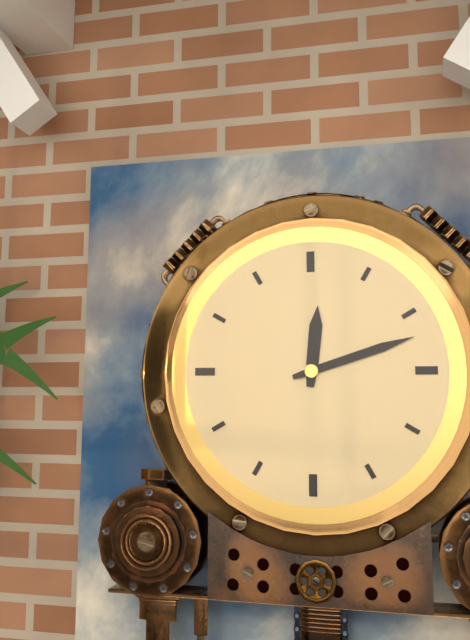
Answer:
12:12
